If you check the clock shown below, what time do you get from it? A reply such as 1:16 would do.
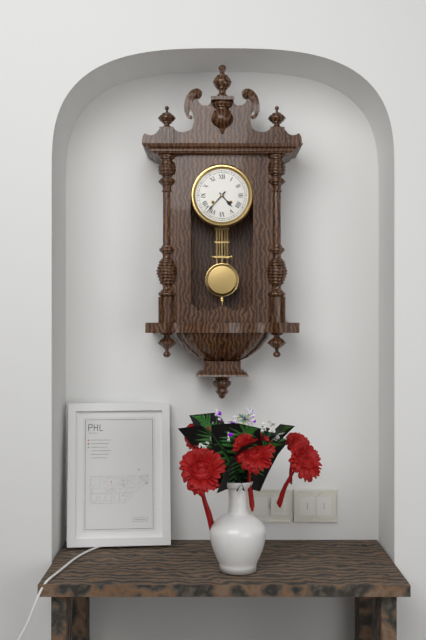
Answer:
4:37
